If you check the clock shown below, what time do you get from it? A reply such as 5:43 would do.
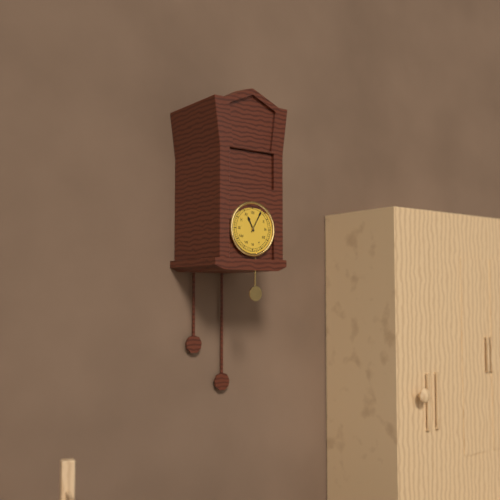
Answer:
11:05
